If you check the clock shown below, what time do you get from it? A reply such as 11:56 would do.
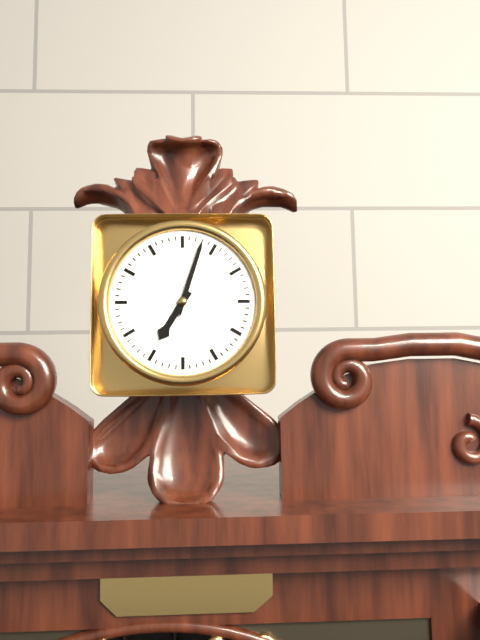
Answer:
7:03
